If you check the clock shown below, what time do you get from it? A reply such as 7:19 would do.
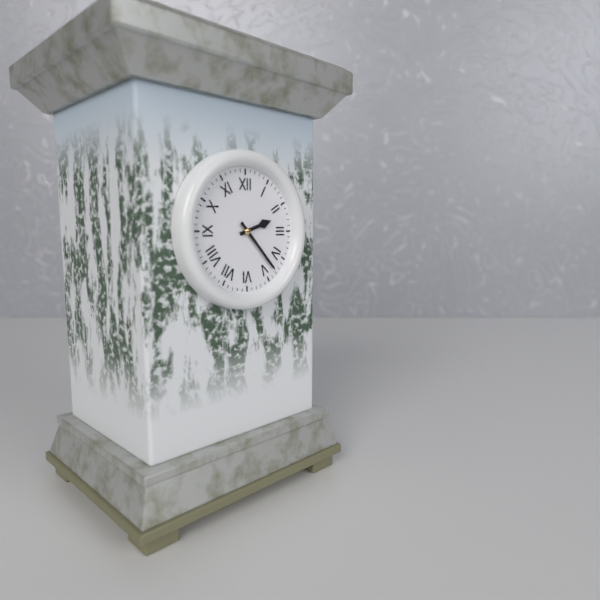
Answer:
2:23
